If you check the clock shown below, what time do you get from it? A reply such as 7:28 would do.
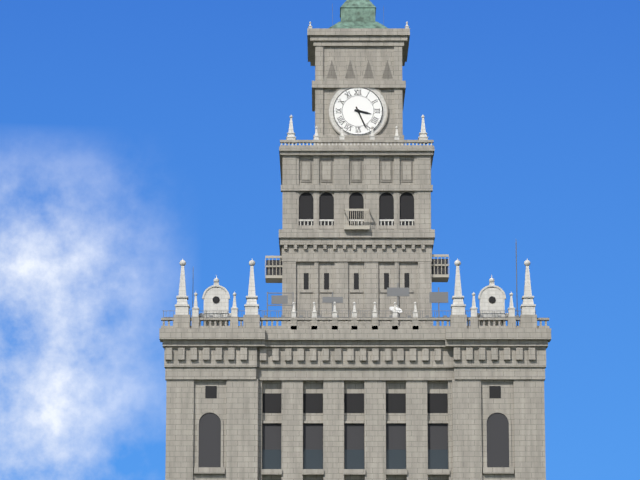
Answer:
3:26
